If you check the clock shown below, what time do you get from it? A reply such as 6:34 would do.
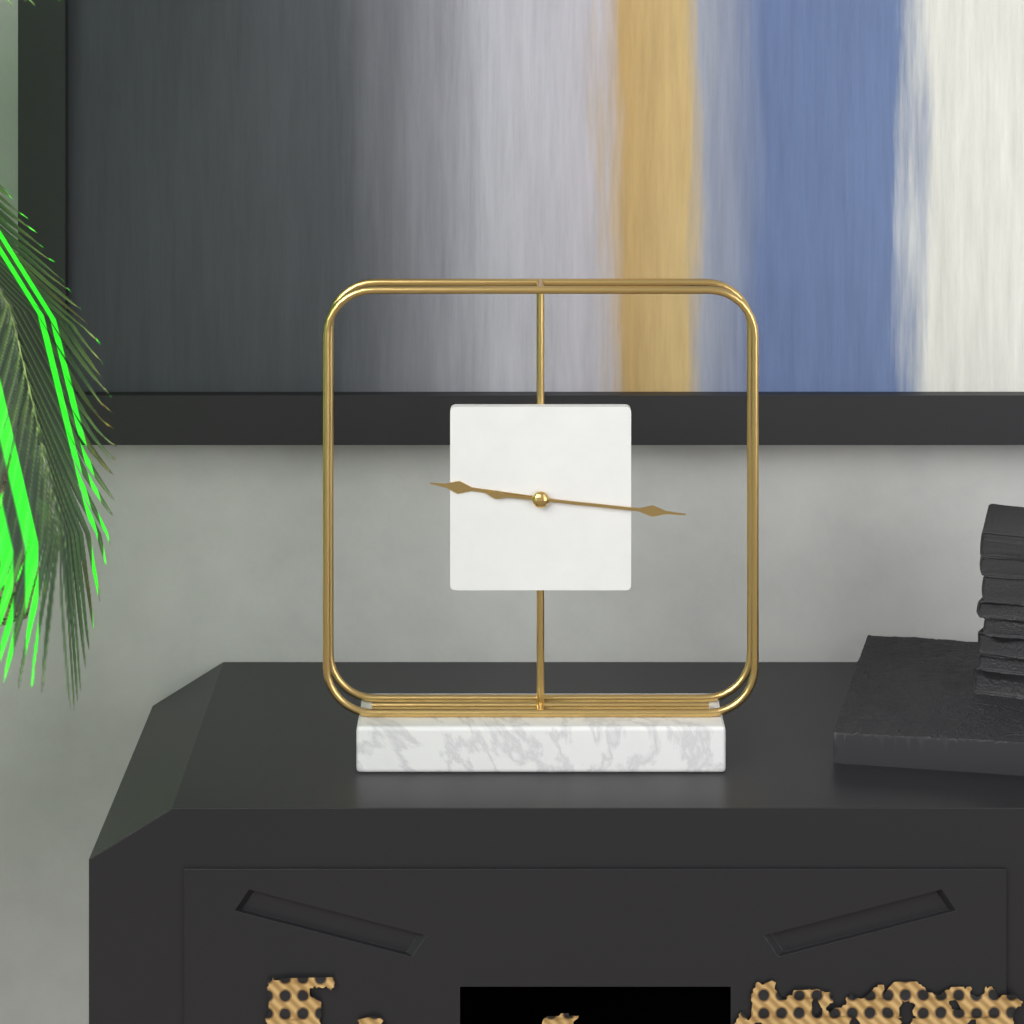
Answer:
9:16
